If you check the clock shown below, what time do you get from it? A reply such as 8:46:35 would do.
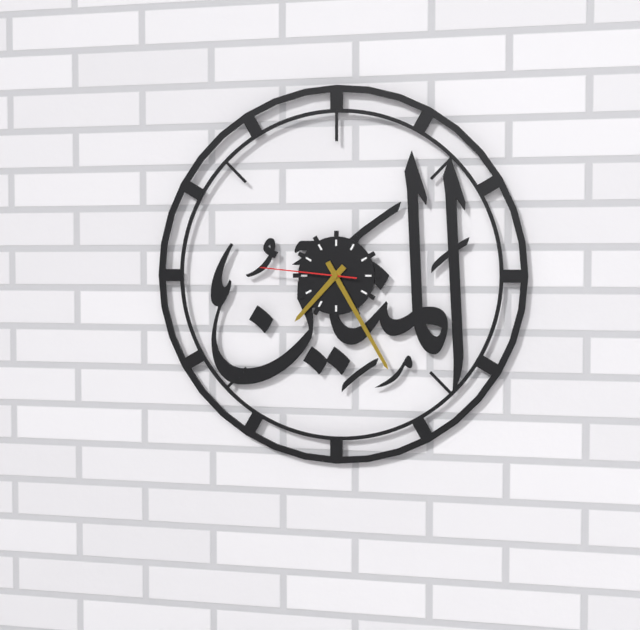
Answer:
7:25:46
